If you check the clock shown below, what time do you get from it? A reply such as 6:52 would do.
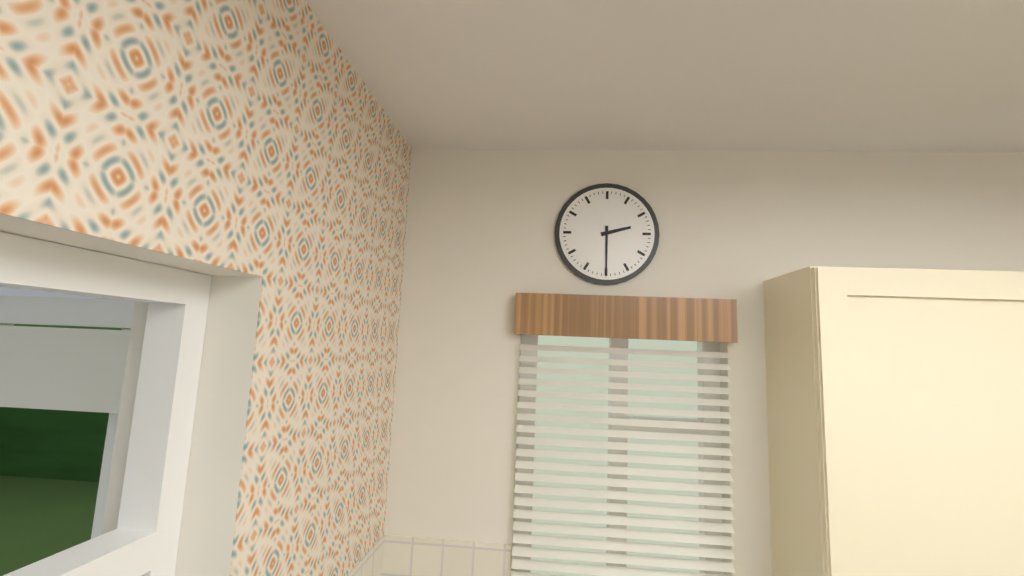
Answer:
2:30
